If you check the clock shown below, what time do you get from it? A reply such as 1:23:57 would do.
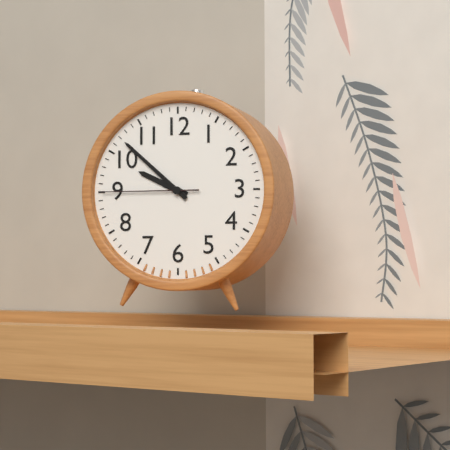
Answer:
9:52:45
